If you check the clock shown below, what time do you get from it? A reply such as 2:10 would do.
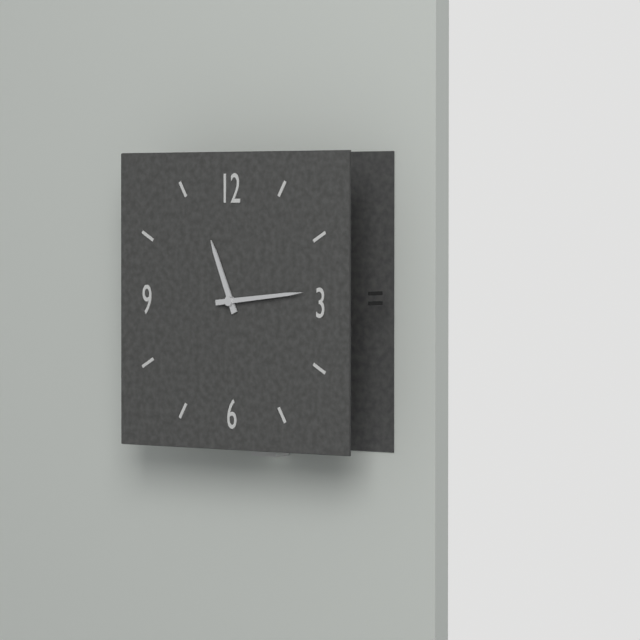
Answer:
11:14
